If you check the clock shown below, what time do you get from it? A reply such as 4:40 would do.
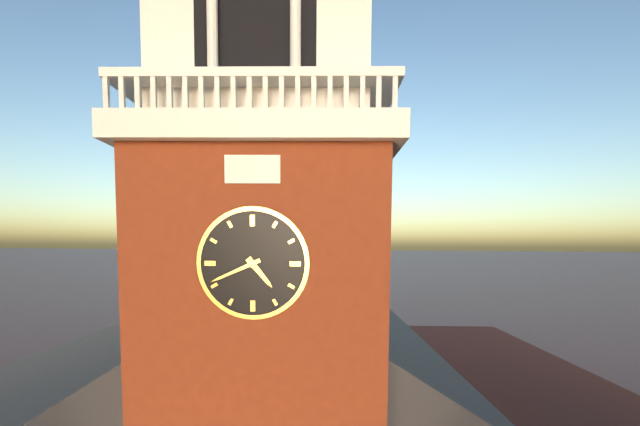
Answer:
4:41
